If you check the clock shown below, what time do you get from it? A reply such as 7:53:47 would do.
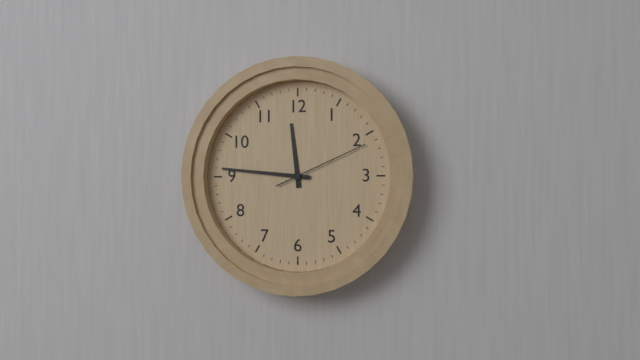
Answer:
11:46:11
